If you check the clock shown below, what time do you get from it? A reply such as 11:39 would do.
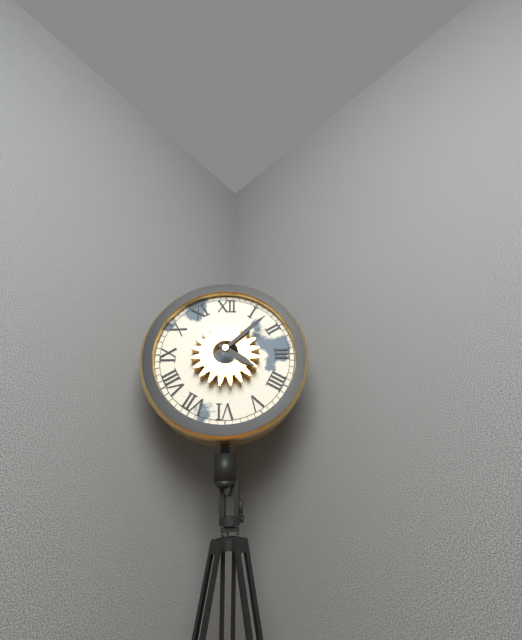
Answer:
4:08
